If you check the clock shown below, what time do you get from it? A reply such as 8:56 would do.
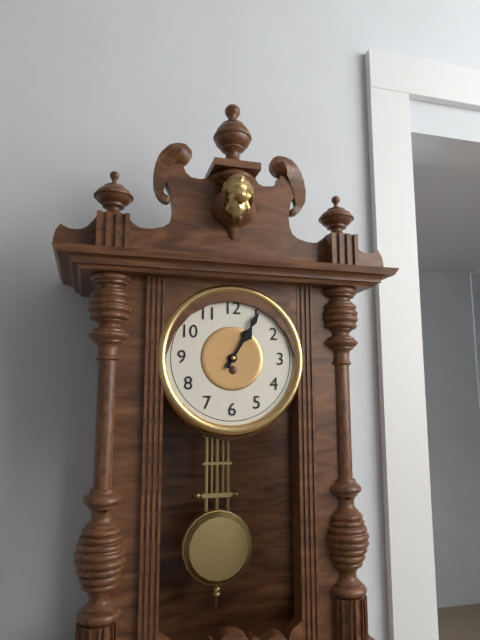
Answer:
1:05
